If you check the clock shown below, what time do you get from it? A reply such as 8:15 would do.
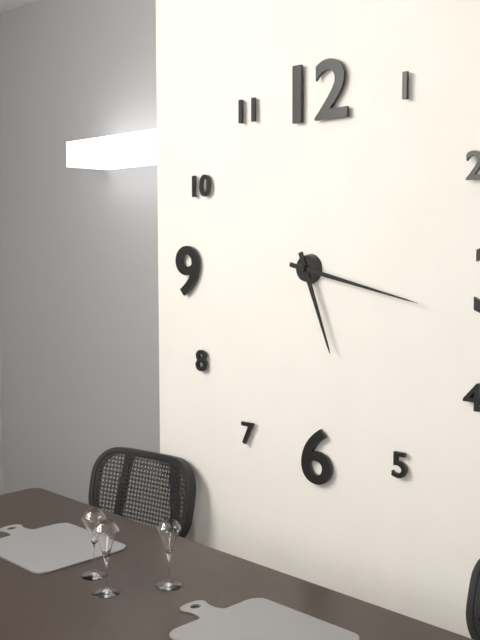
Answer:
5:17
